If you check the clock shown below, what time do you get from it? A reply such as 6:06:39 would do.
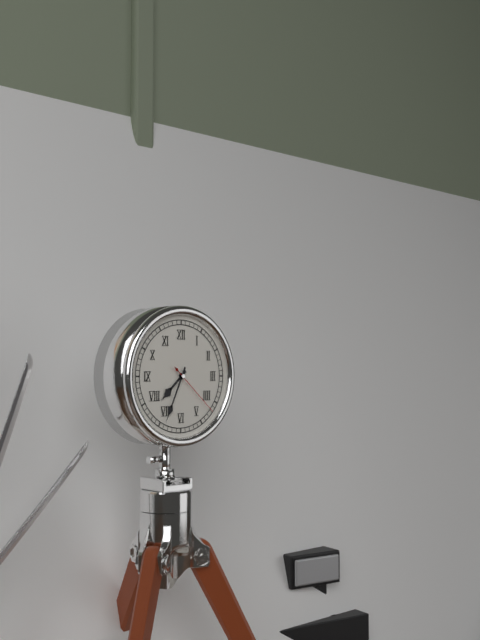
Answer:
7:34:22
